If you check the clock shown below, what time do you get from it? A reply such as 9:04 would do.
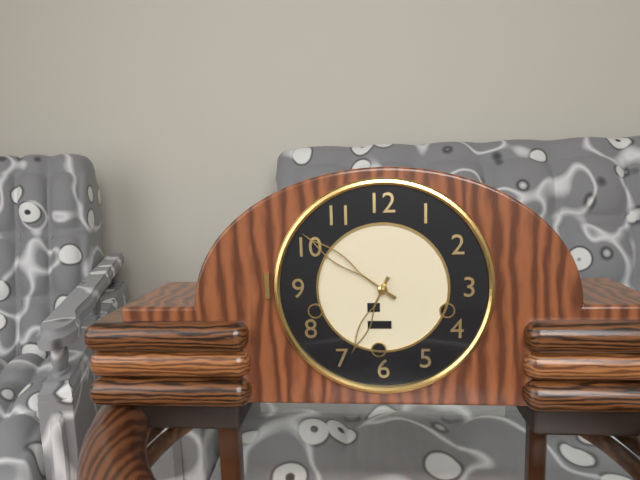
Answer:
6:51
